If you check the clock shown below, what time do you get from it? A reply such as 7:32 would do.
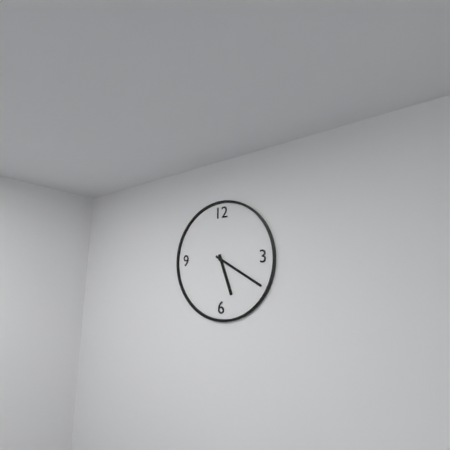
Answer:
5:20
